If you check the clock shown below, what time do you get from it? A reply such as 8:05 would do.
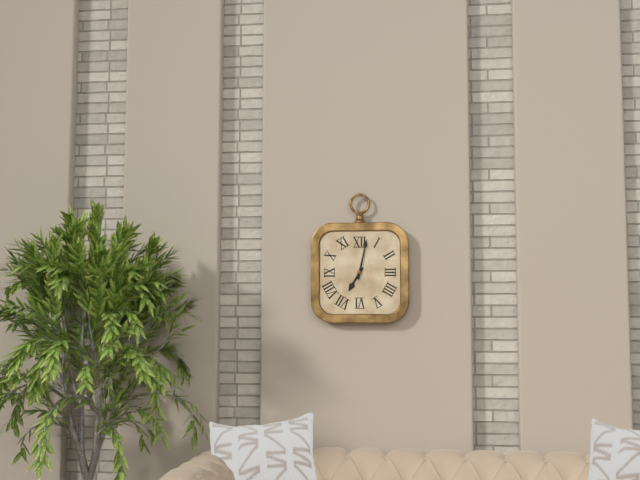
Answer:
7:02
